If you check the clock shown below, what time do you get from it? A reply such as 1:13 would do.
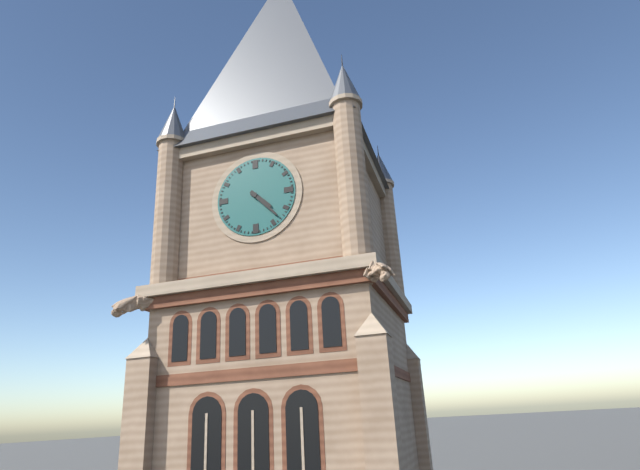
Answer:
4:23
